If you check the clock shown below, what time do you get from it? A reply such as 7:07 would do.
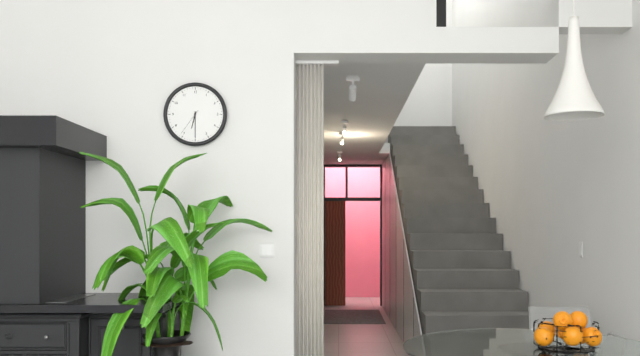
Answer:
6:30
